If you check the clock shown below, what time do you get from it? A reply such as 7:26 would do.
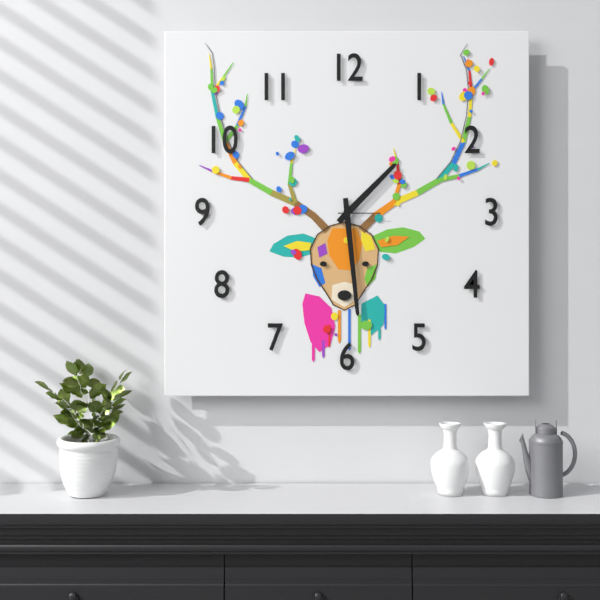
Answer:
1:29
